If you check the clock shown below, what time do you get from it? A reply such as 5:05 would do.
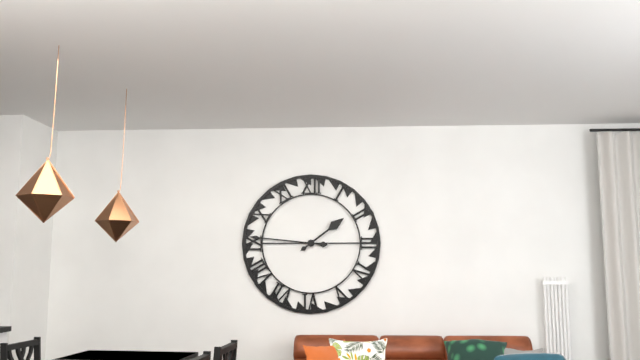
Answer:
1:46
